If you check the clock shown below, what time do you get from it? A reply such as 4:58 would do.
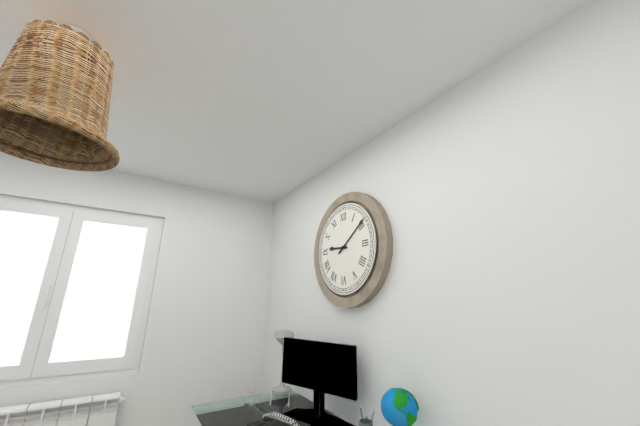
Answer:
9:09
